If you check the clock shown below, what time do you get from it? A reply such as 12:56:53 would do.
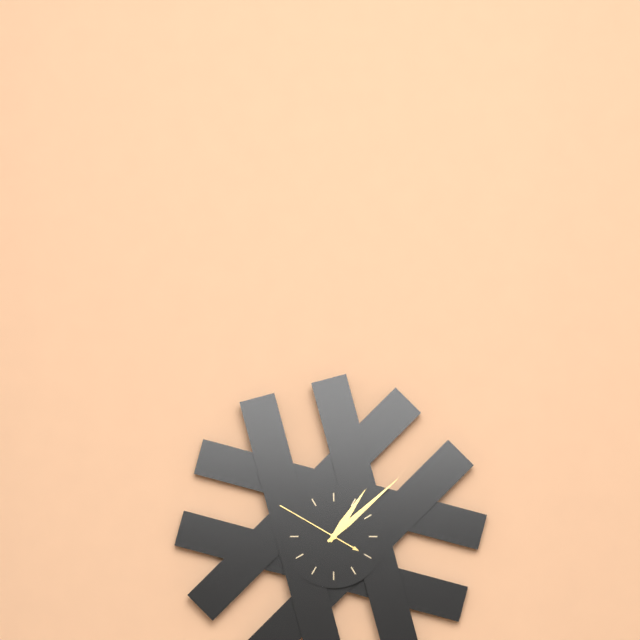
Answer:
1:08:50
